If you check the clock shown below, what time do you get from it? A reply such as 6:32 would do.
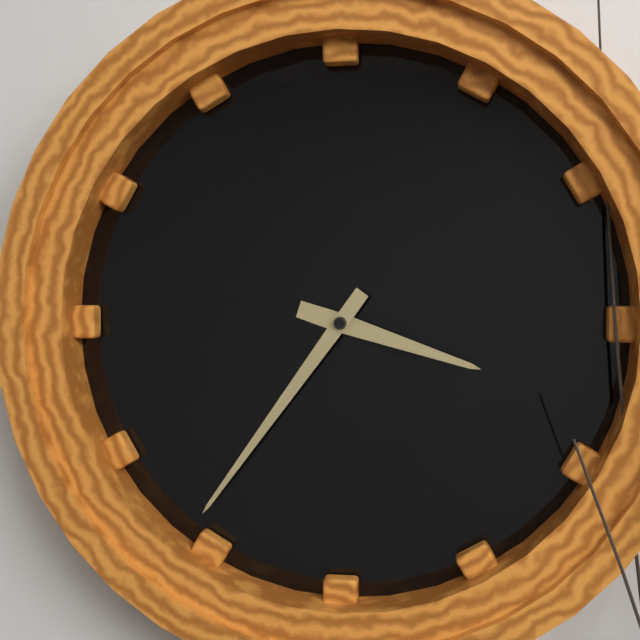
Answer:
3:36
